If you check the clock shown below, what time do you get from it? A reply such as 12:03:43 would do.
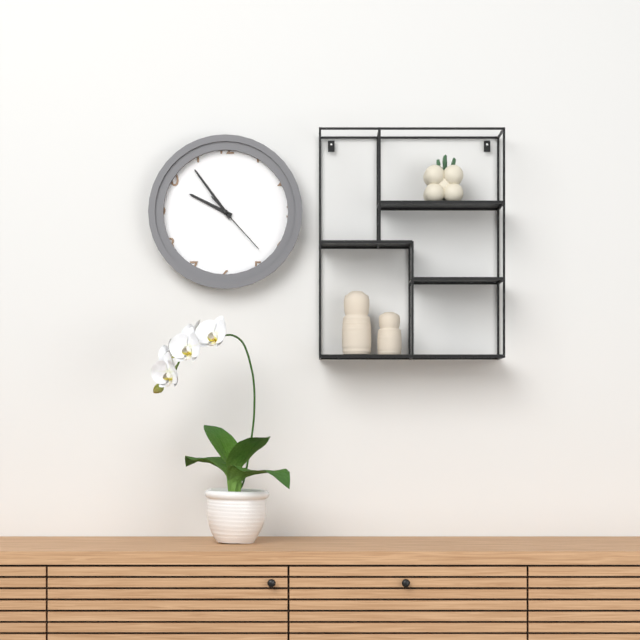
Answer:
9:54:23
